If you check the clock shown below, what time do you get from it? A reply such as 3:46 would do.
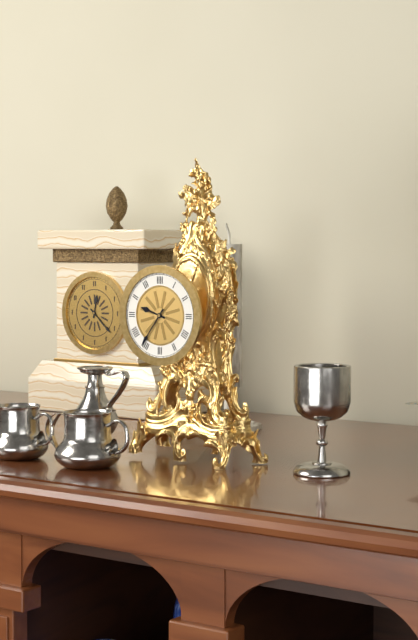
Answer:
9:36
